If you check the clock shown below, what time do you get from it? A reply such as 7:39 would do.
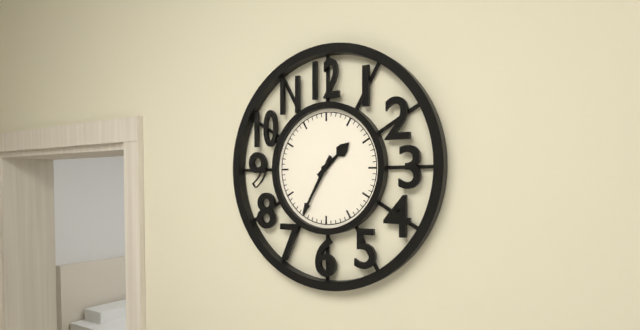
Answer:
1:35
